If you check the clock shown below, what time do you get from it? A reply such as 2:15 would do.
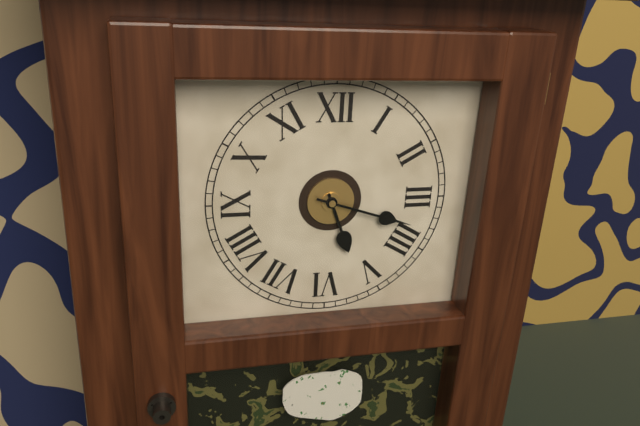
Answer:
5:18
